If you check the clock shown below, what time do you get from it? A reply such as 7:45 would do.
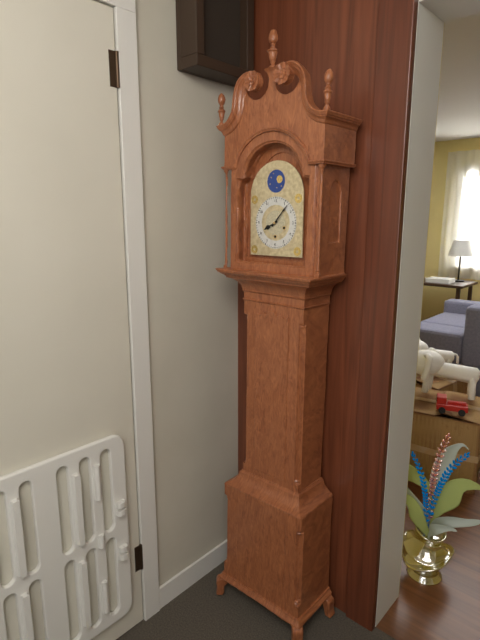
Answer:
8:07
